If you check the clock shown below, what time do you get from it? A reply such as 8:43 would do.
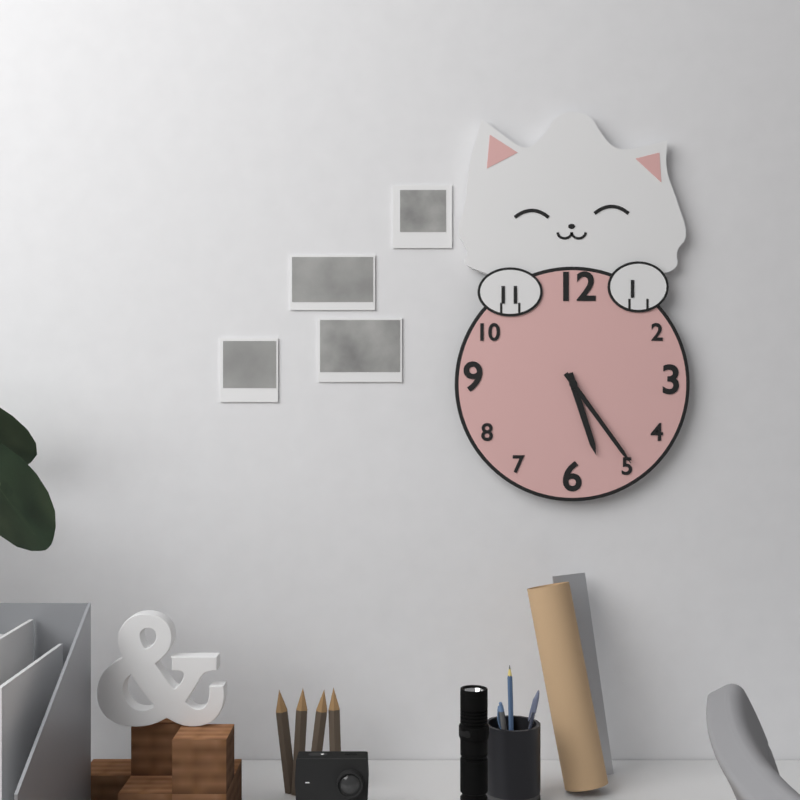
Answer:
5:24
